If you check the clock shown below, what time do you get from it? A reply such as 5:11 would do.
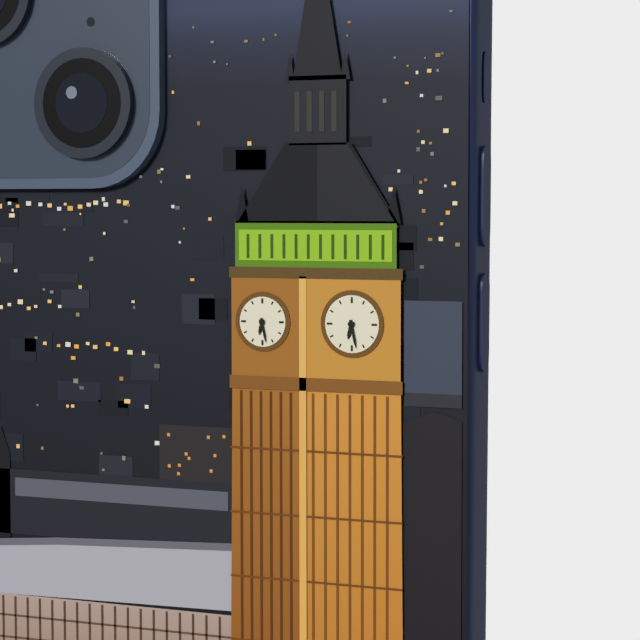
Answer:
6:28
